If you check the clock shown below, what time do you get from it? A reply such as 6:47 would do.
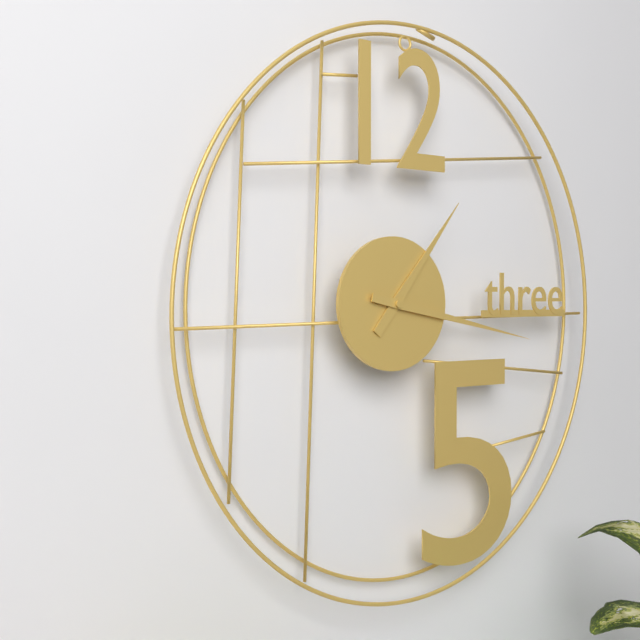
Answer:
1:17
